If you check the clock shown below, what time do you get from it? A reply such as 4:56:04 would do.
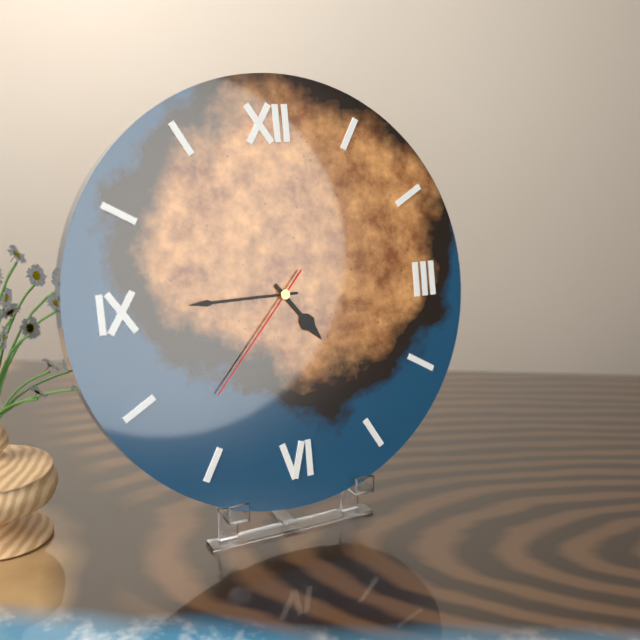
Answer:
4:45:37
